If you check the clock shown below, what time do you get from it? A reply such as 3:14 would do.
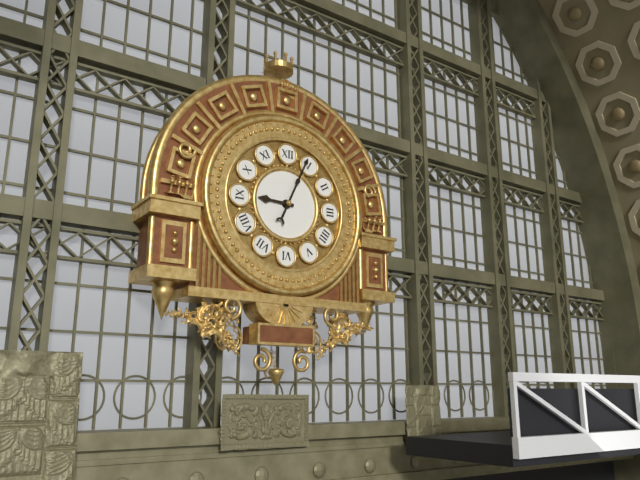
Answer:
9:04
